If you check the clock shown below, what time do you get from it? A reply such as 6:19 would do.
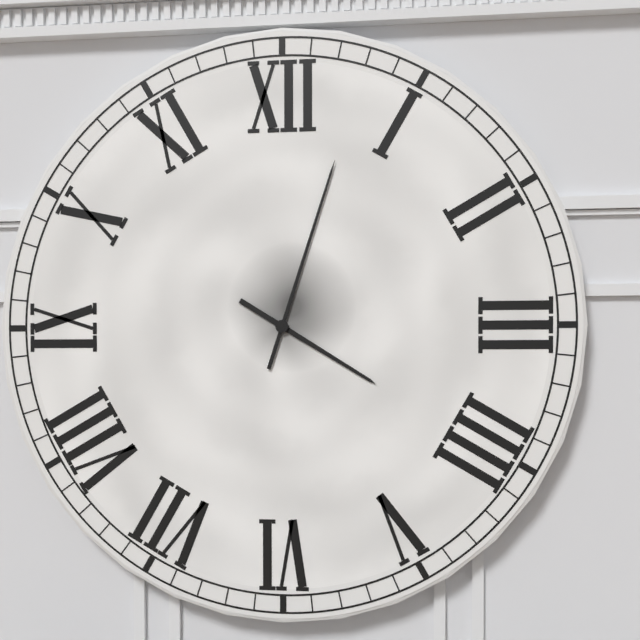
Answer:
4:03
